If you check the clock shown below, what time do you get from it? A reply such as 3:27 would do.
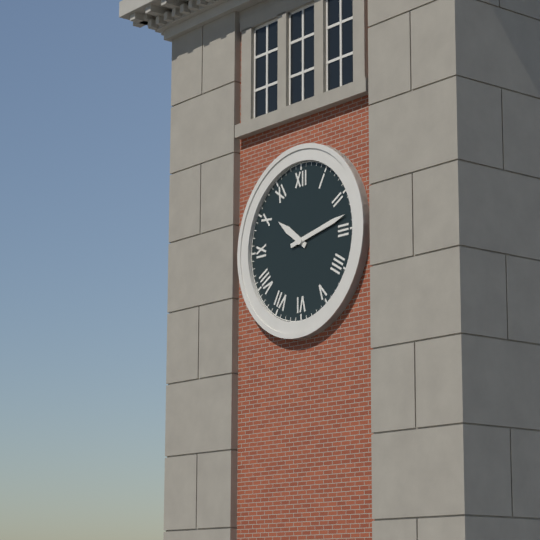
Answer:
10:13
